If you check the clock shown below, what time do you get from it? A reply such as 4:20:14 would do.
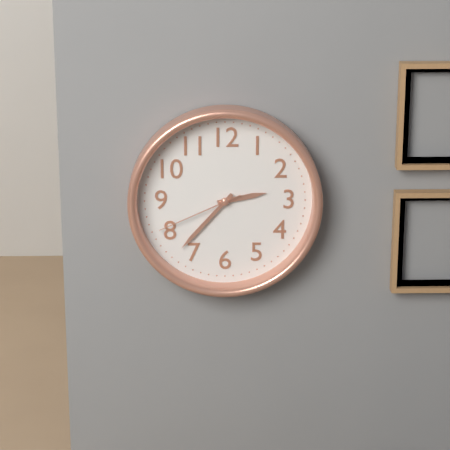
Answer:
2:37:41
